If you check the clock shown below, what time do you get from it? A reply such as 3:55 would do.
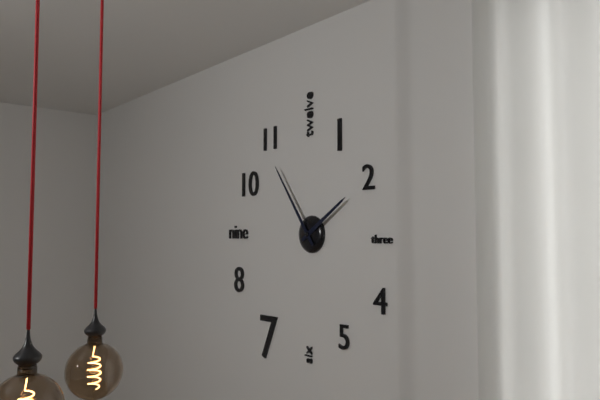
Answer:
1:54
